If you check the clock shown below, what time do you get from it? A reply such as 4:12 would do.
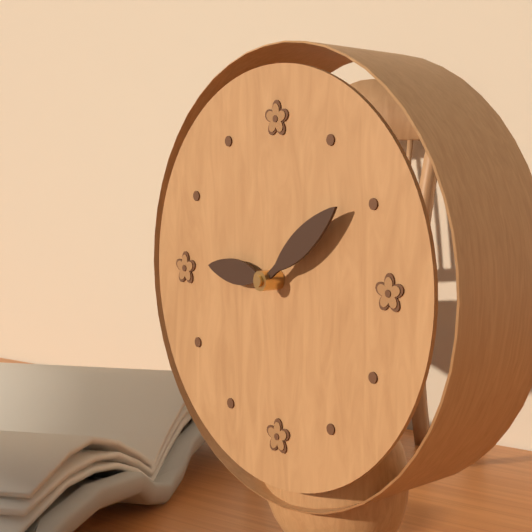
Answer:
9:09
